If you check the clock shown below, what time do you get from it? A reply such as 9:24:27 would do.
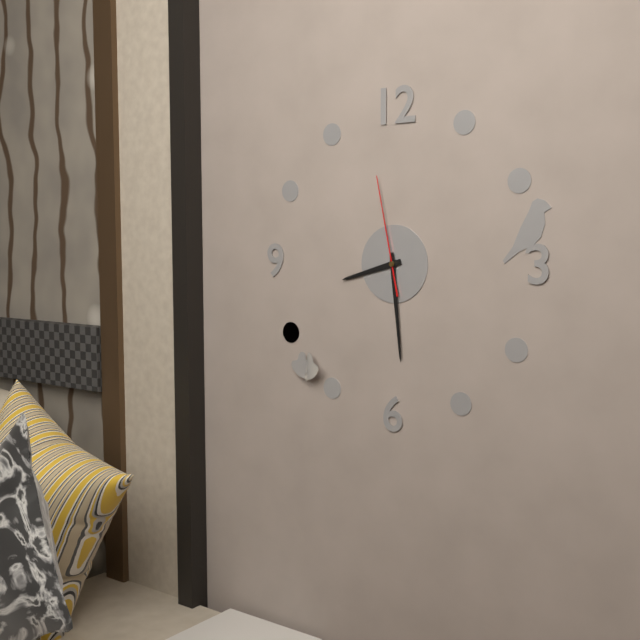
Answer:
8:29:58
